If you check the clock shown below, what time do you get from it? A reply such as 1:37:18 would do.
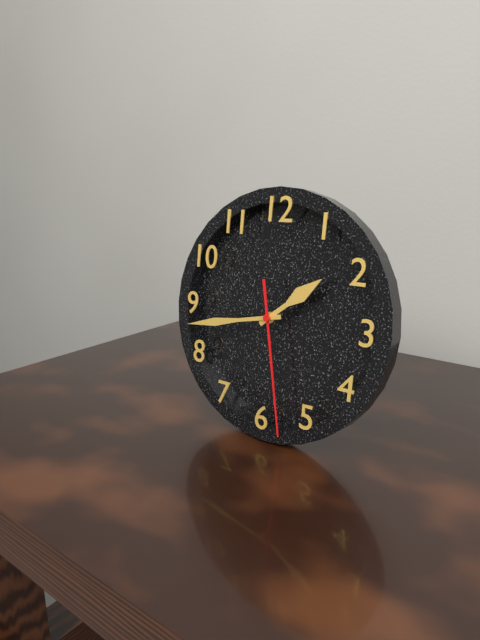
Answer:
1:43:28
